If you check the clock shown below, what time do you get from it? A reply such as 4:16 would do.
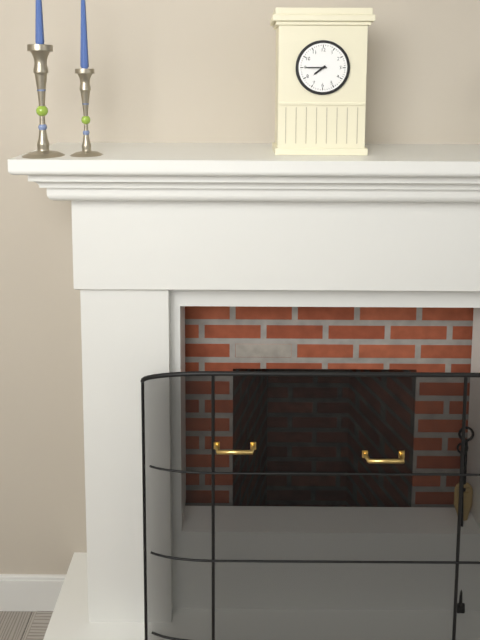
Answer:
7:45
